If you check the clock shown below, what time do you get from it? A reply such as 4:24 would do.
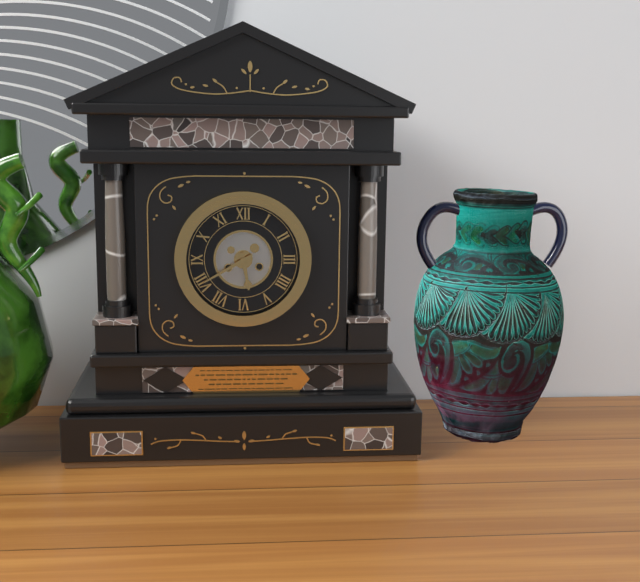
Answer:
5:40
